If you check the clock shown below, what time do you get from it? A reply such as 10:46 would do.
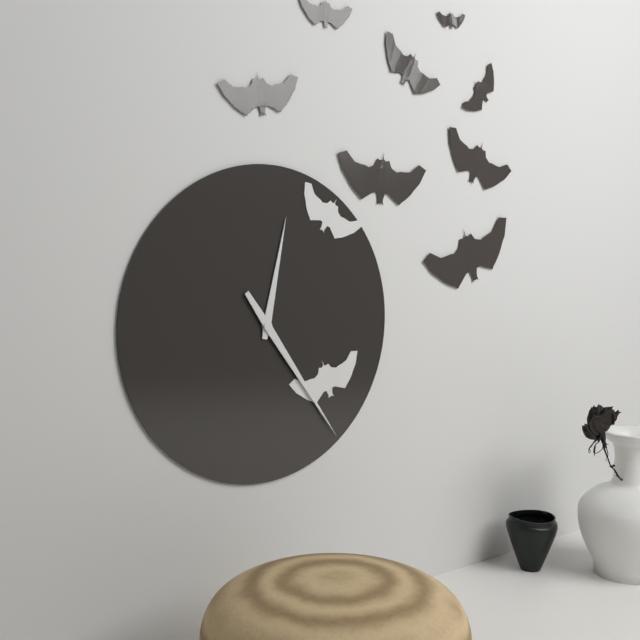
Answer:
12:24
